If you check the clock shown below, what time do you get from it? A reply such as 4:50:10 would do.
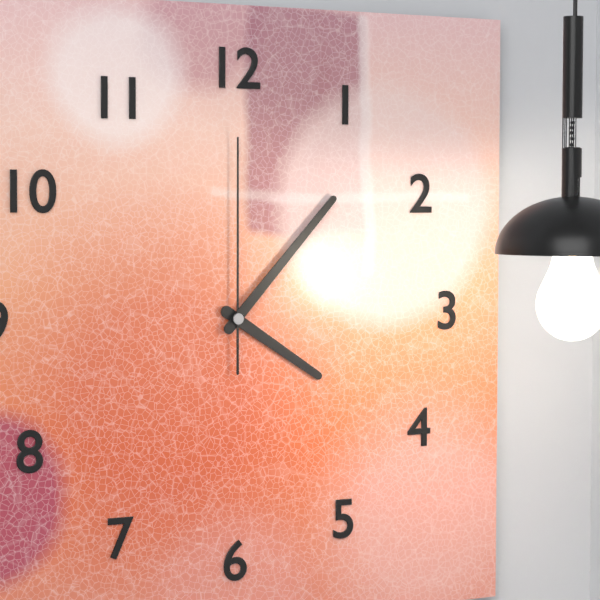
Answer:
4:07:00
